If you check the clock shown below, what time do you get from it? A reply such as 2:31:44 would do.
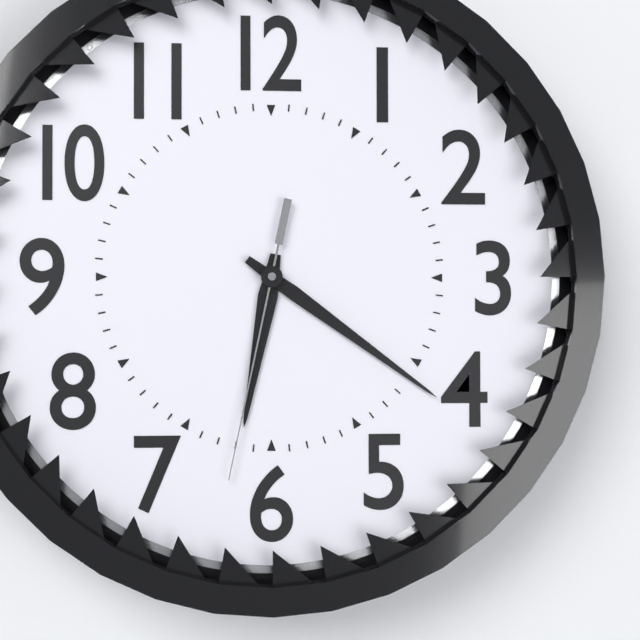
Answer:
6:21:32
